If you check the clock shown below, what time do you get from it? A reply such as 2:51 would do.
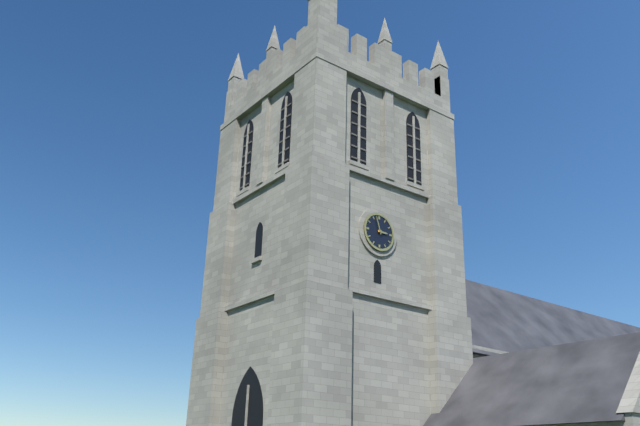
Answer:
2:57
